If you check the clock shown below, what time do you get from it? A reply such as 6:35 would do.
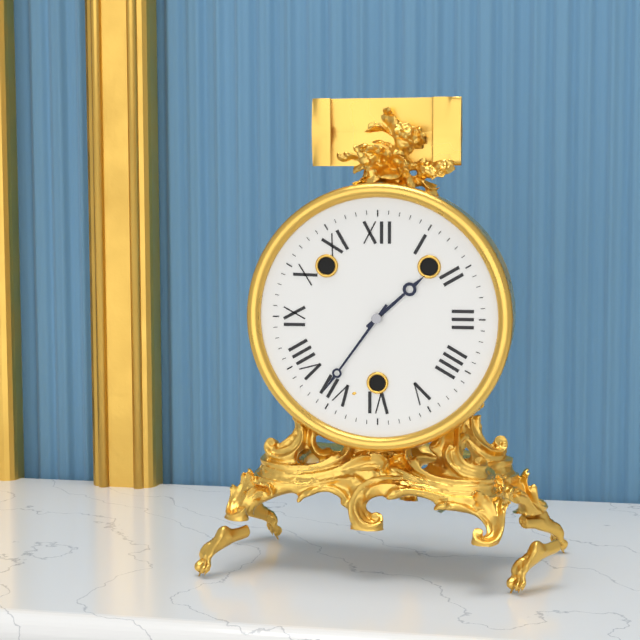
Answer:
1:36
